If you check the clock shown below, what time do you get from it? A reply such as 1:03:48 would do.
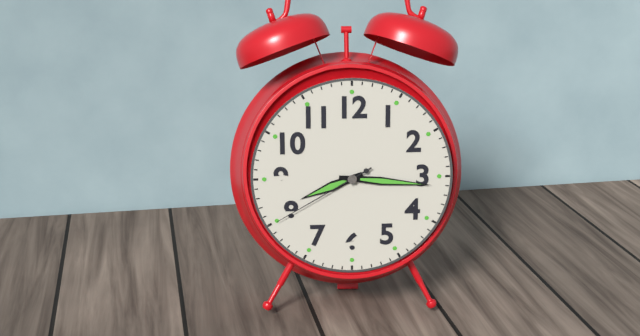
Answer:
8:16:40
